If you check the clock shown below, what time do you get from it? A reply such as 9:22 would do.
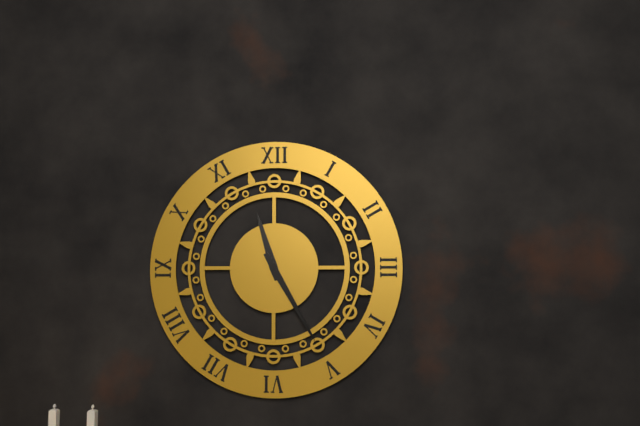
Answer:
11:25
